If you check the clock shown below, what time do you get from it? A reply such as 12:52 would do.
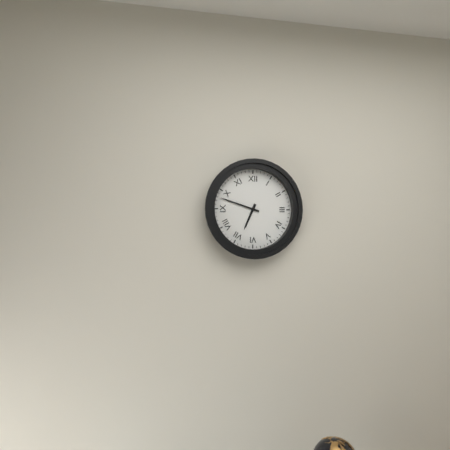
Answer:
6:48
